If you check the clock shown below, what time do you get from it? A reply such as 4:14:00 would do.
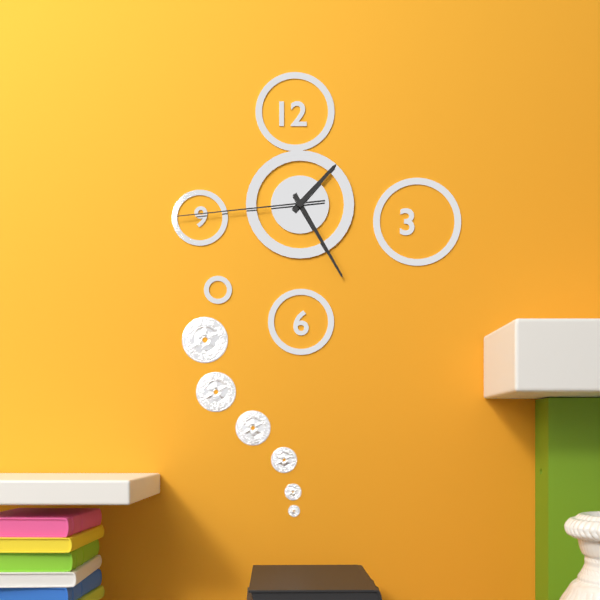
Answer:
1:25:44
